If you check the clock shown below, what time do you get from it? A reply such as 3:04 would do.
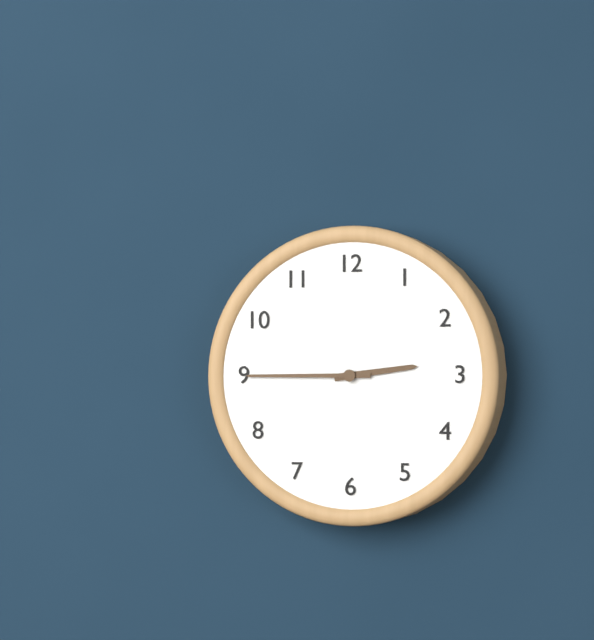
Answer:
2:45
